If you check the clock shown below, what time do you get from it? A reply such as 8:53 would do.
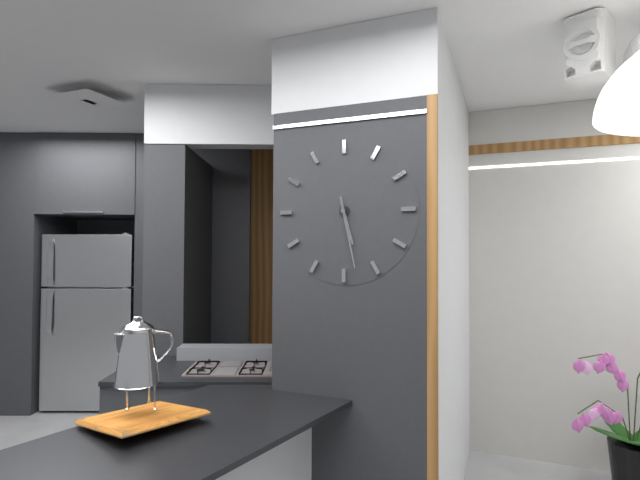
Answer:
5:28
